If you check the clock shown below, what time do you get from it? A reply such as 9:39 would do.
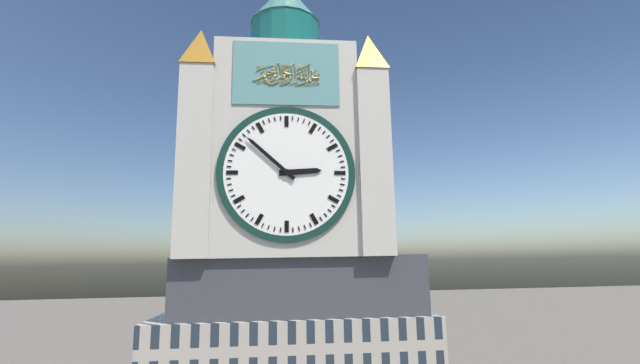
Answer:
2:52
